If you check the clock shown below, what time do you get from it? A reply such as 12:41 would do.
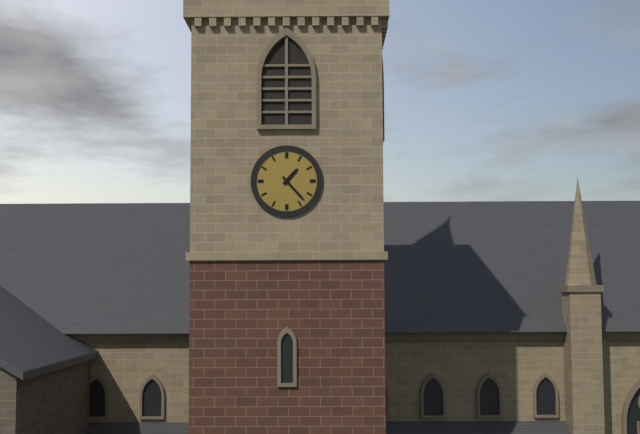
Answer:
1:23
